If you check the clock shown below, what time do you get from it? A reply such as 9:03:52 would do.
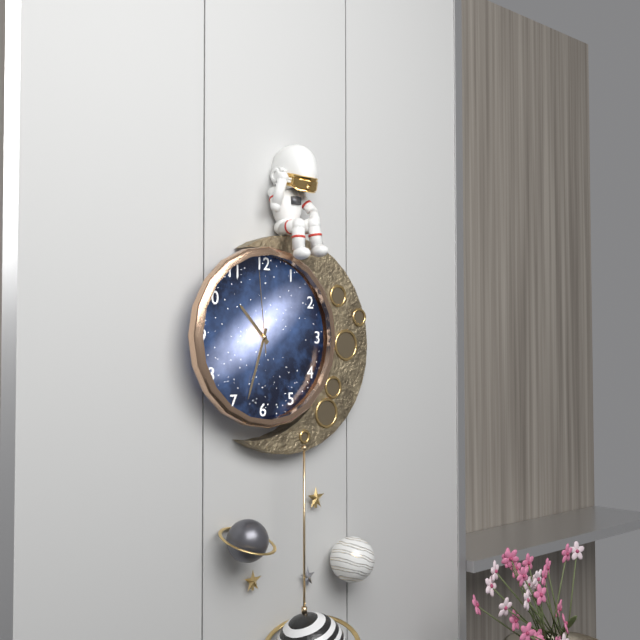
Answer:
10:33:59
